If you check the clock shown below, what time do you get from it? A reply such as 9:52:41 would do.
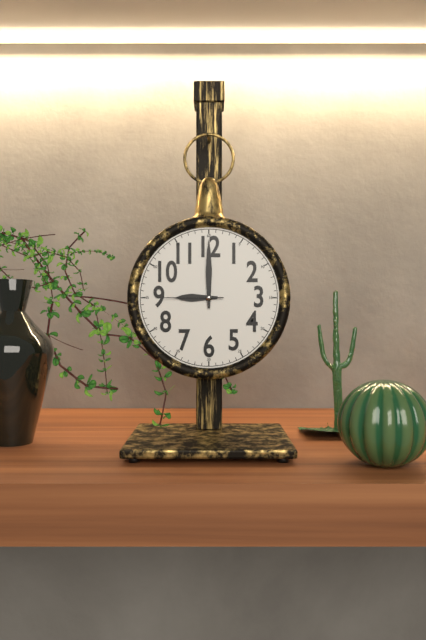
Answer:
9:00:45
